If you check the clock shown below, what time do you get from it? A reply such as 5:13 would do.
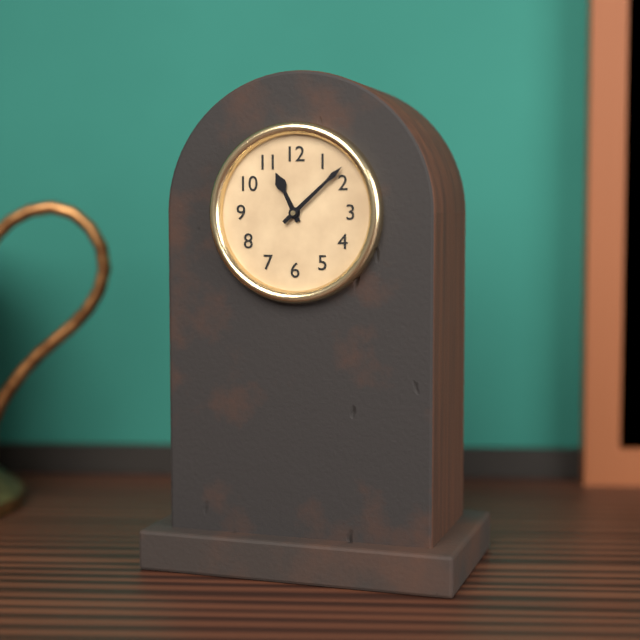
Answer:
11:08
